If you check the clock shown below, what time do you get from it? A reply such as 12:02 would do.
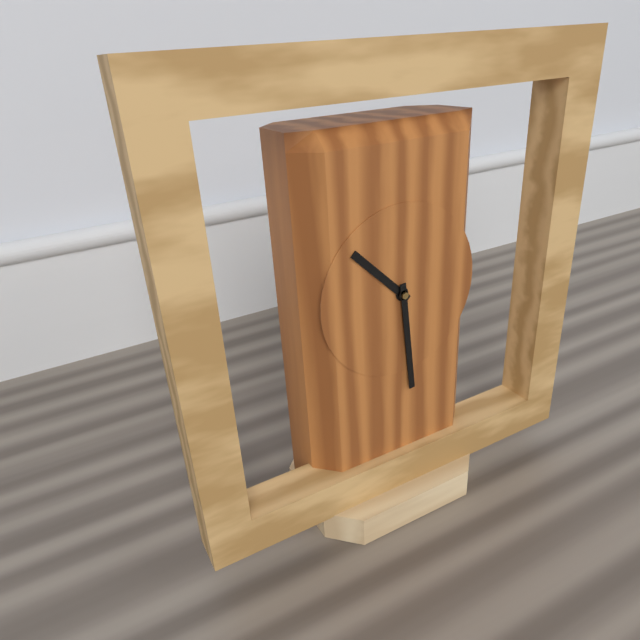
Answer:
10:29
